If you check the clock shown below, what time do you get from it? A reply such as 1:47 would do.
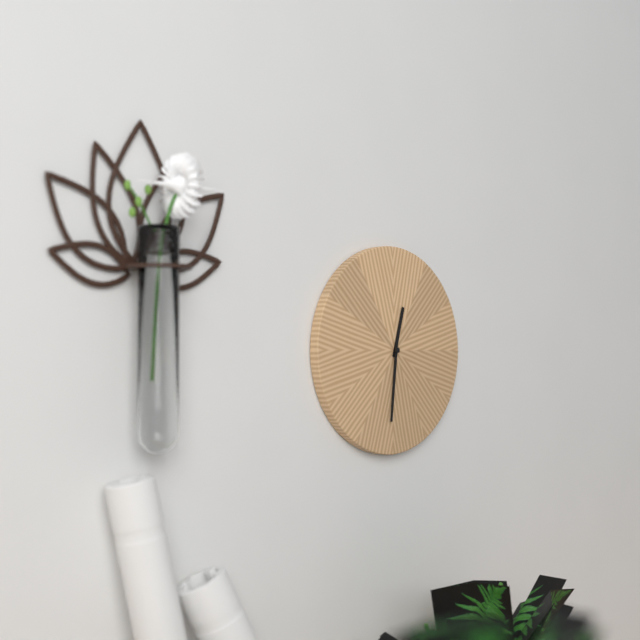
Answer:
12:31
